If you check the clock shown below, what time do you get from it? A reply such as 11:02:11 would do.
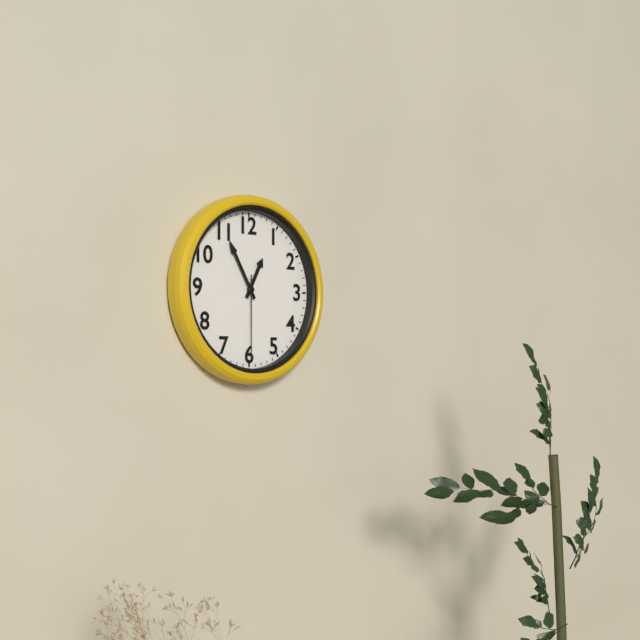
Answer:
12:55:30
